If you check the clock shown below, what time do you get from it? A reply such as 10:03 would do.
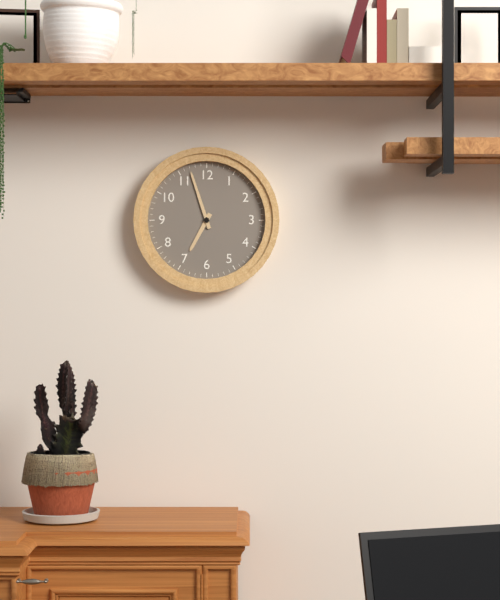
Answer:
6:57
